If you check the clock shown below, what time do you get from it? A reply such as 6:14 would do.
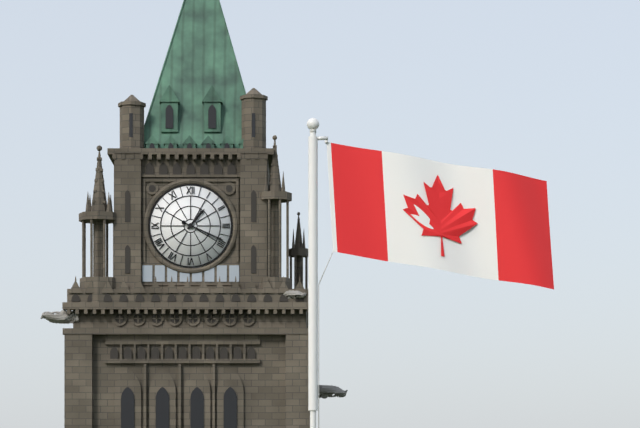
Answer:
1:19
